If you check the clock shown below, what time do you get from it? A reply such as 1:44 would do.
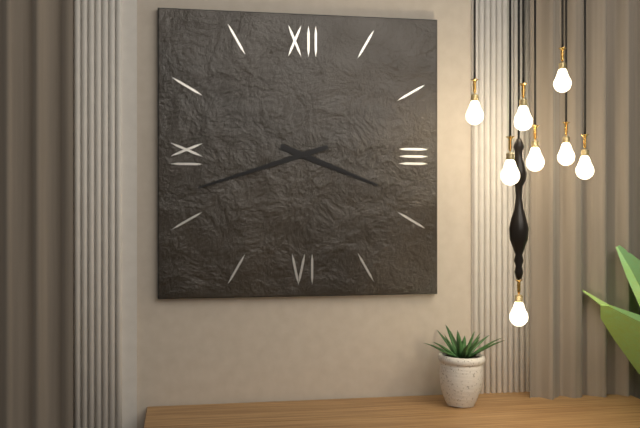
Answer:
3:42
